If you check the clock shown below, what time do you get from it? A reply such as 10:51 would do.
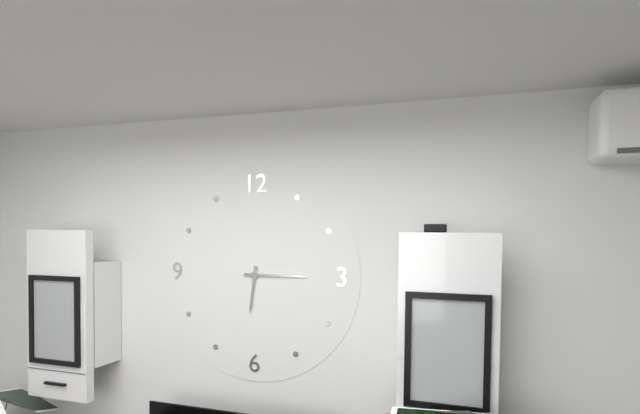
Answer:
6:15
